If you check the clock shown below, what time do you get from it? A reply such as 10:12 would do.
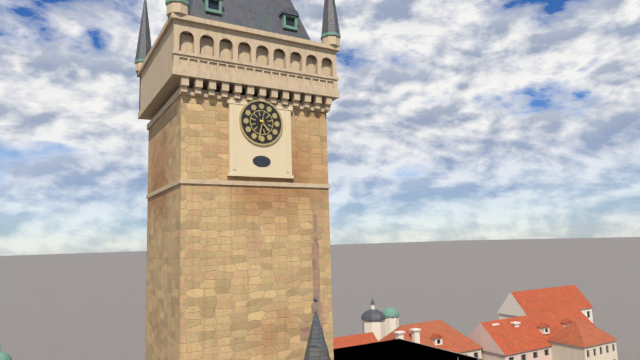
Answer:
4:32
